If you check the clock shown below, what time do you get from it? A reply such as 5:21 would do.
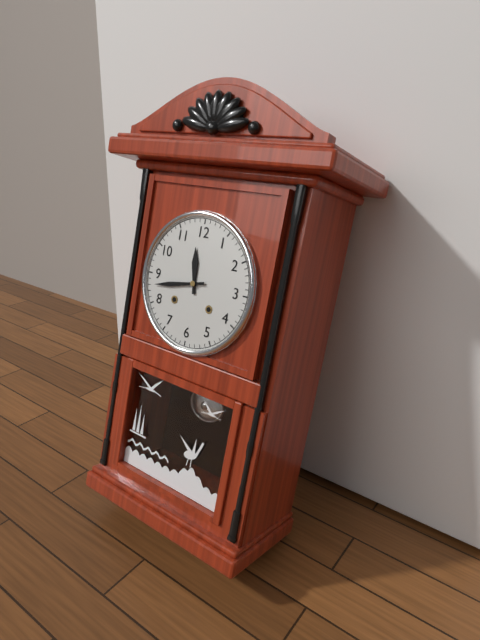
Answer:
11:43
